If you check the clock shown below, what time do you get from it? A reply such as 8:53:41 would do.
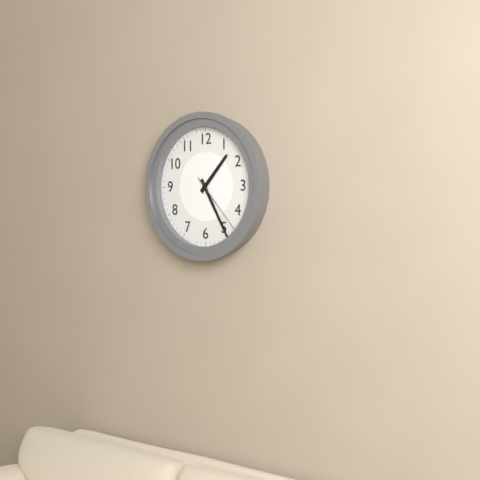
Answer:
1:25:23
